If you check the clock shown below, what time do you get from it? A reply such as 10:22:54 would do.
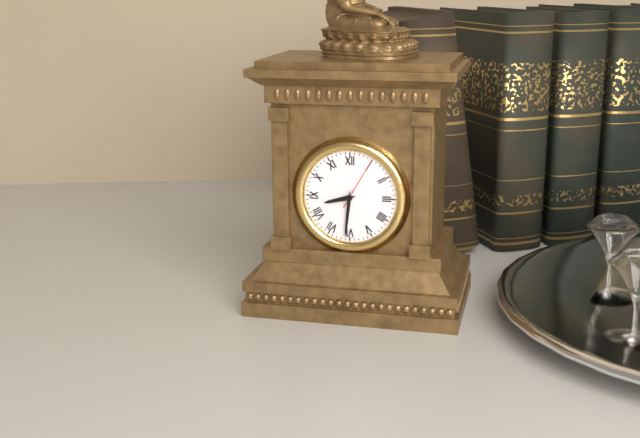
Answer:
8:31:05
